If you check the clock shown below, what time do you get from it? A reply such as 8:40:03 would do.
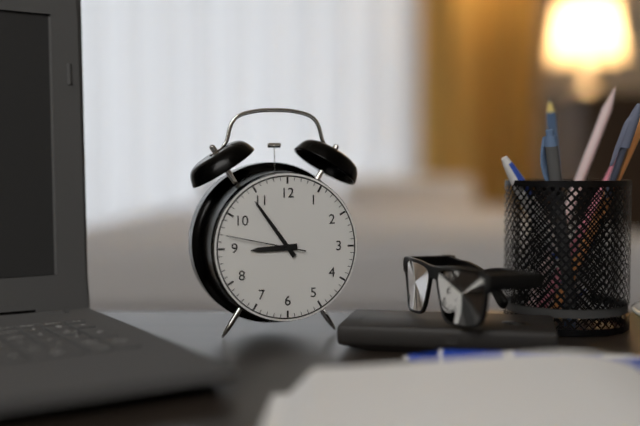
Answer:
8:54:47
